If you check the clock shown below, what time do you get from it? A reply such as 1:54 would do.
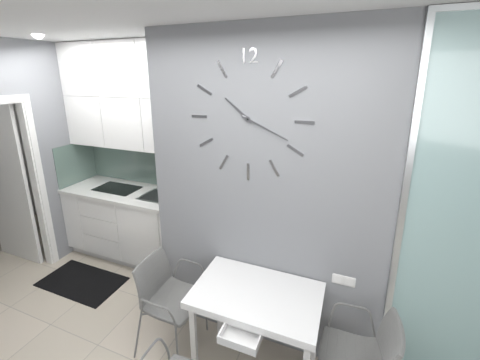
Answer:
10:19
